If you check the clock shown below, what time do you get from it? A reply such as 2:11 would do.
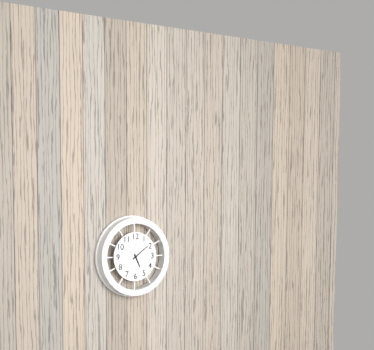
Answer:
5:09
